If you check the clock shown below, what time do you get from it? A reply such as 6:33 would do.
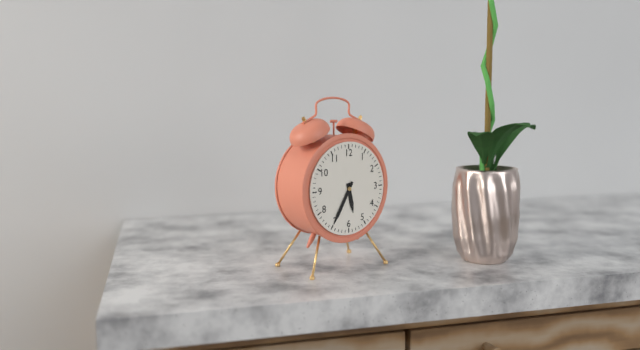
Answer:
5:35
